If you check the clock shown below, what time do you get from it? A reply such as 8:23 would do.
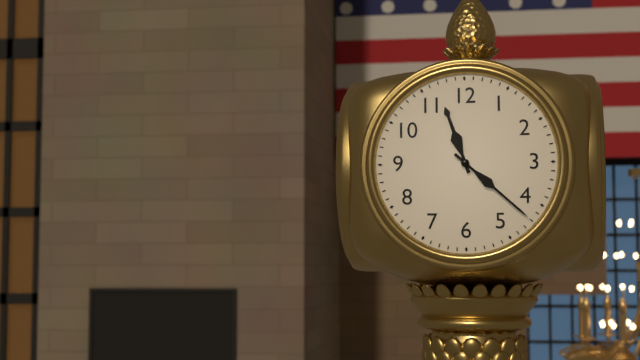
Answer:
11:22
